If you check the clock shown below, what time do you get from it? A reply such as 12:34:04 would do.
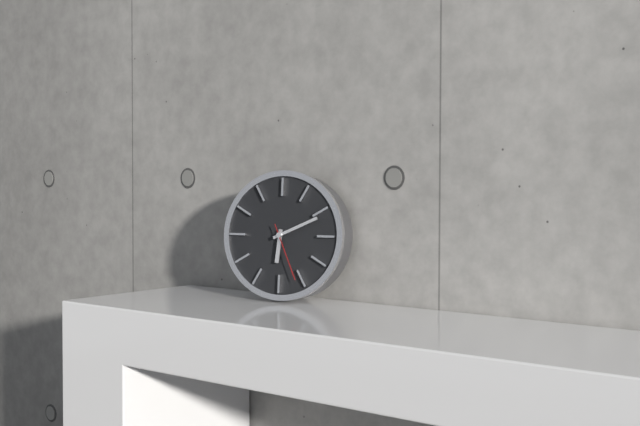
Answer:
6:11:26
